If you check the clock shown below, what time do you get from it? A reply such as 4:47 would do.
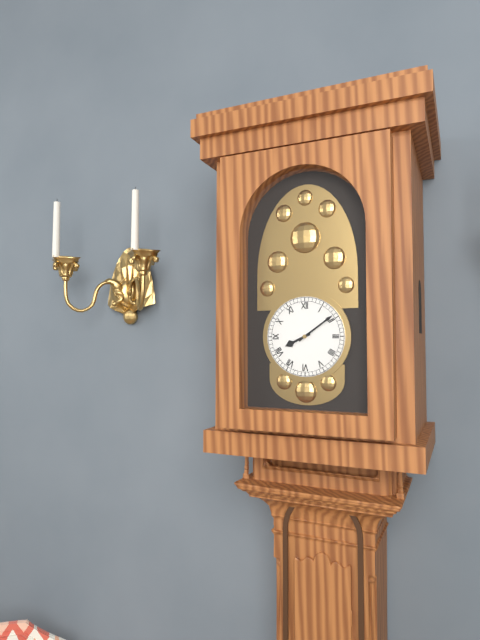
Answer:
8:09
